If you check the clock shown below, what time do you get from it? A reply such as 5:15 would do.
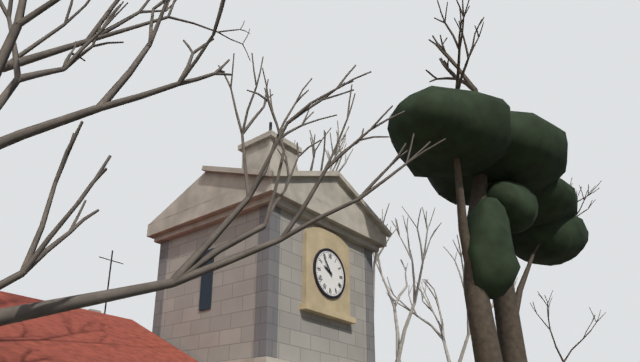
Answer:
9:54
